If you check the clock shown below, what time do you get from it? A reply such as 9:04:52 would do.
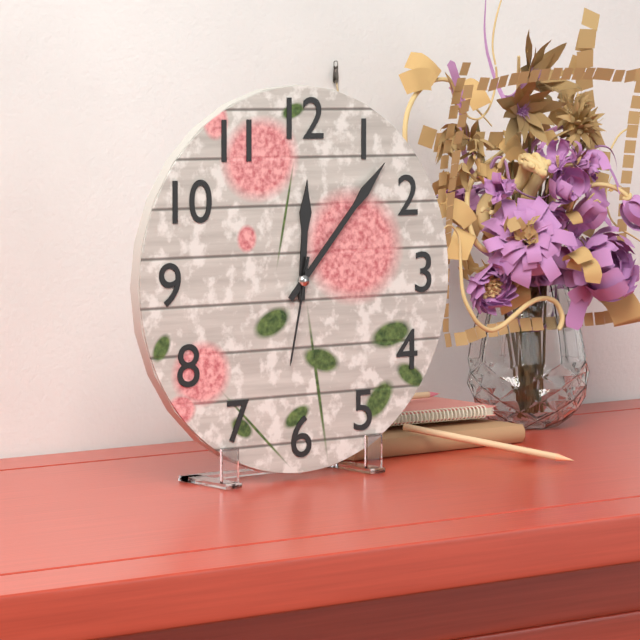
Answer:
12:07:32
